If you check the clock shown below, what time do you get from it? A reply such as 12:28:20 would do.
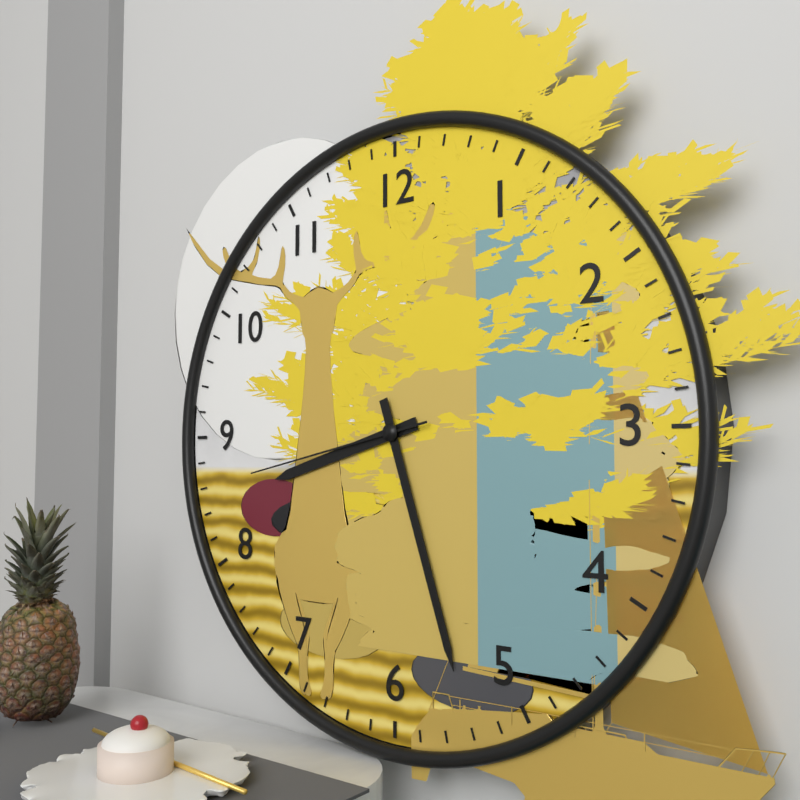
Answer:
8:27:43
